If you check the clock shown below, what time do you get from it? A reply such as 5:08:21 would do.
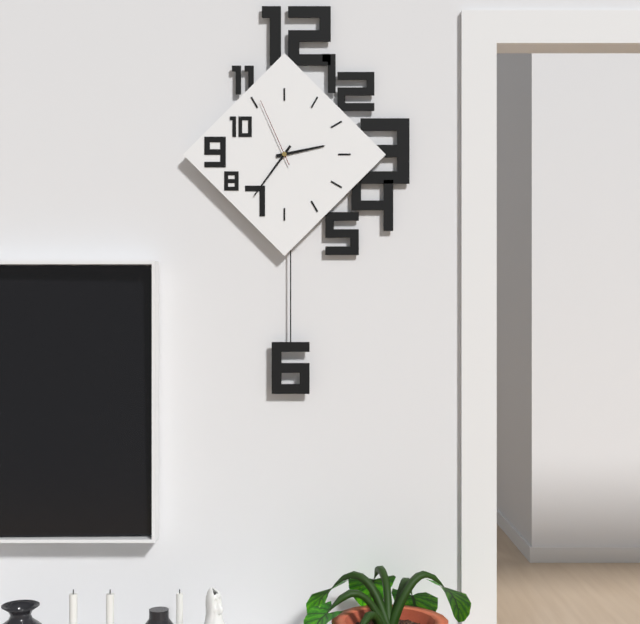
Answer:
2:36:56
